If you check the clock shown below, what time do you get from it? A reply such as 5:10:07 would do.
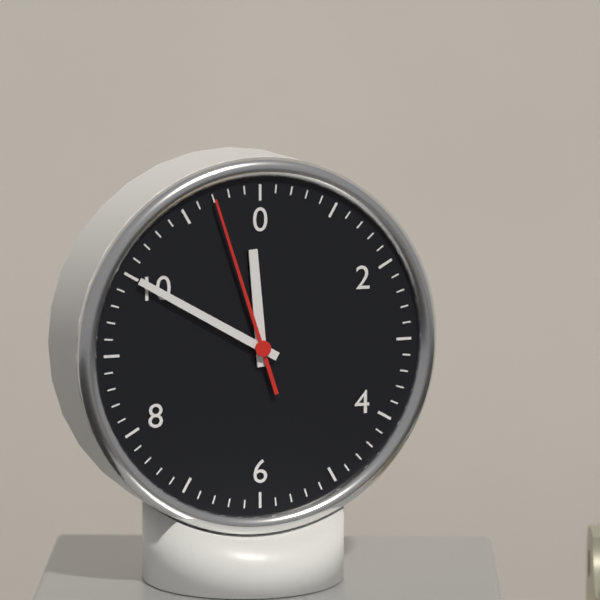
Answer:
11:50:57
